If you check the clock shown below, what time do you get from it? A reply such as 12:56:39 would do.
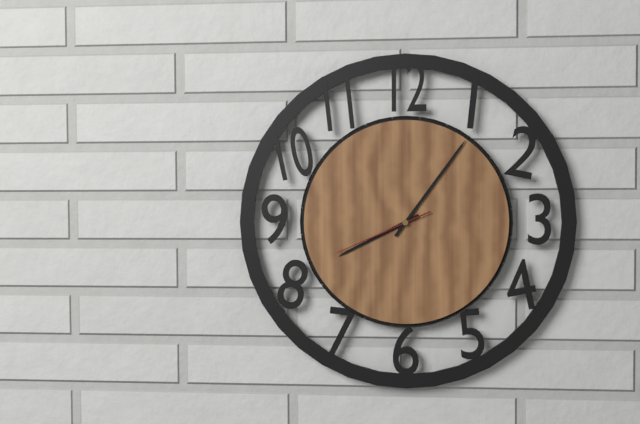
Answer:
8:06:41
